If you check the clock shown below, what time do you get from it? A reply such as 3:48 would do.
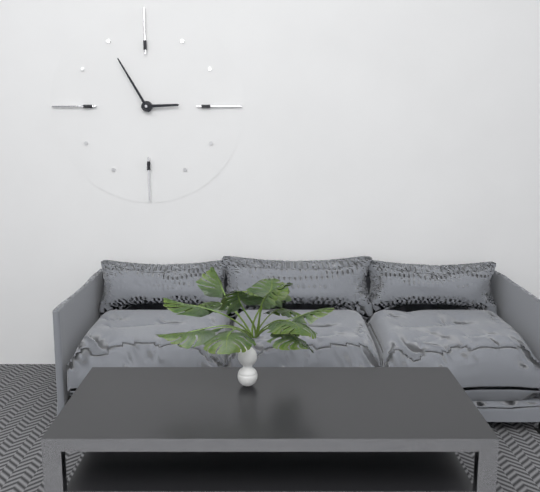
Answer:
2:55
